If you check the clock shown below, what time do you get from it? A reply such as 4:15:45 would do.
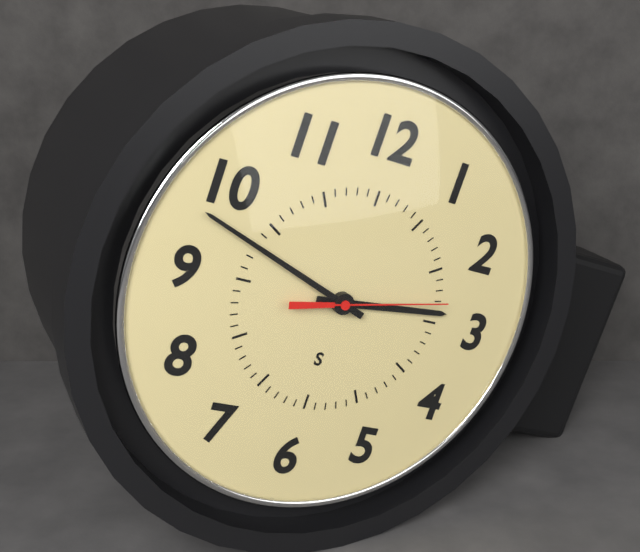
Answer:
2:48:13
